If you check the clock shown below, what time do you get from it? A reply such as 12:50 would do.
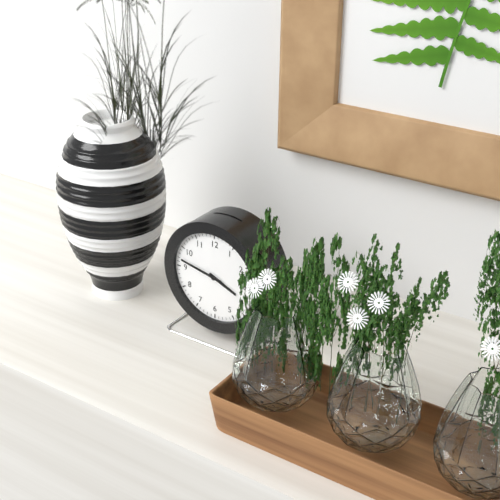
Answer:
3:47
